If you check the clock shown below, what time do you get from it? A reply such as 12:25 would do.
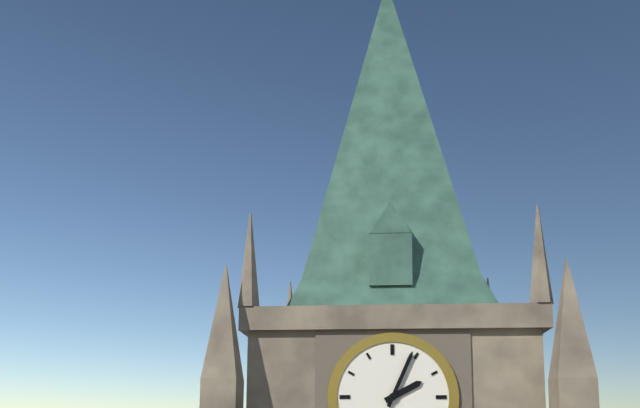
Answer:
2:04
